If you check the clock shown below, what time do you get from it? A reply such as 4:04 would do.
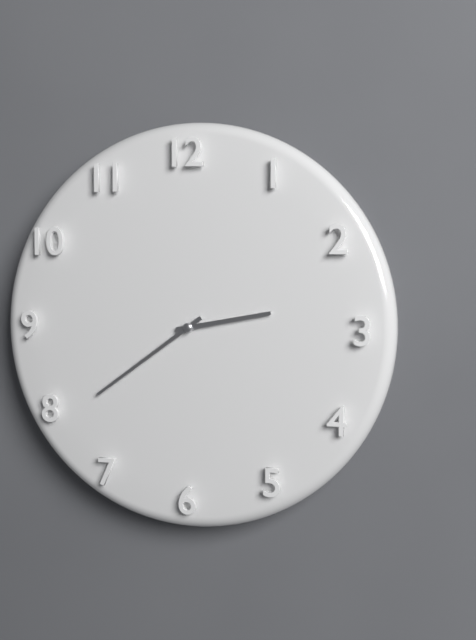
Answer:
2:39
